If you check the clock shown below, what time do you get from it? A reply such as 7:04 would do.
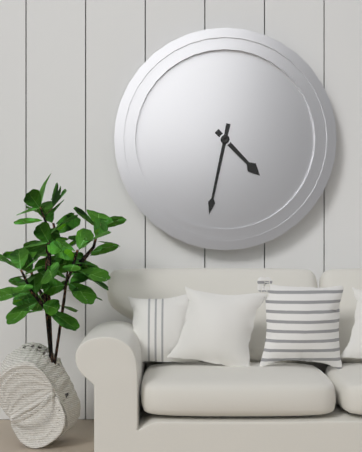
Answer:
4:32
